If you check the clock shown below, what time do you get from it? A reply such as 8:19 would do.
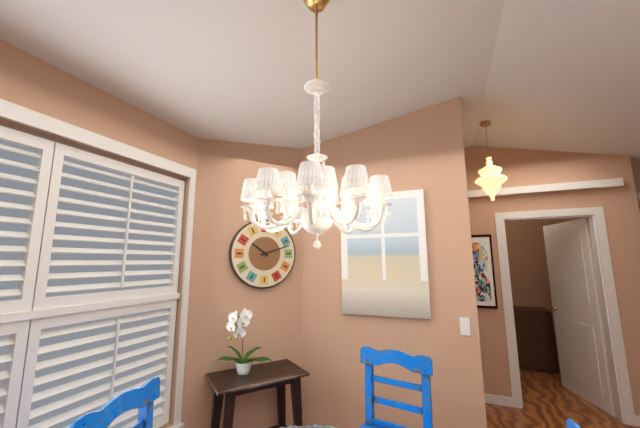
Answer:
10:12
